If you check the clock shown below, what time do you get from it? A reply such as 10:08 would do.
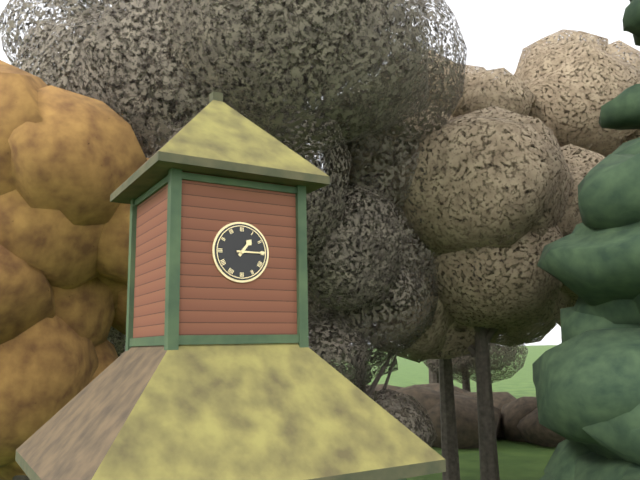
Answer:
1:15
